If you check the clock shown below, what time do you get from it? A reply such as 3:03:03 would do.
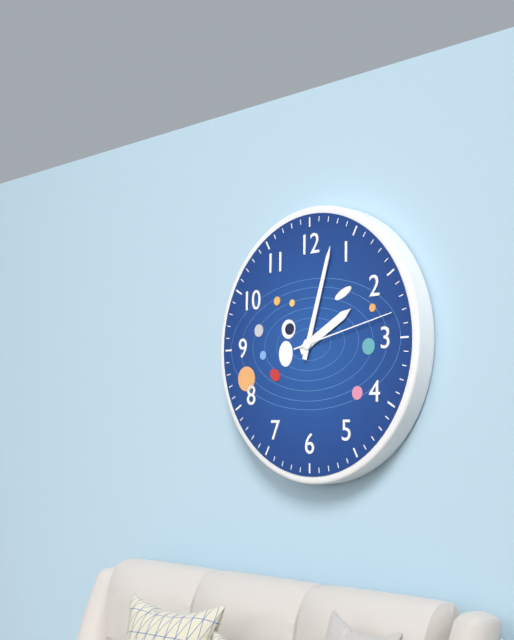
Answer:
2:03:13
